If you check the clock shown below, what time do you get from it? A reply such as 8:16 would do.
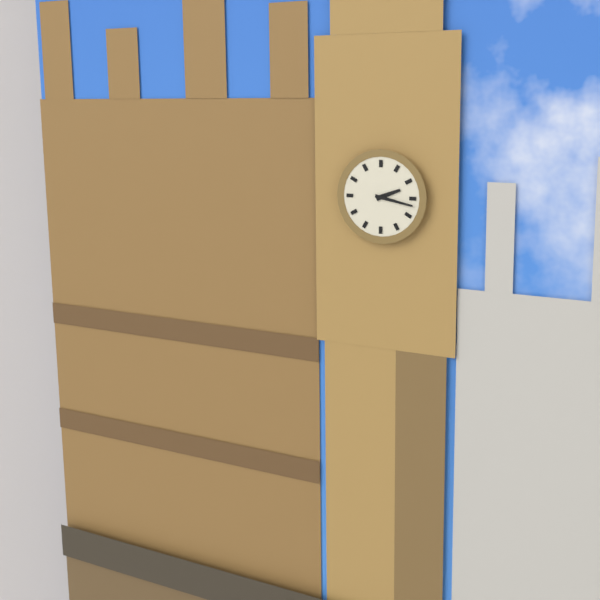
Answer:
2:17
